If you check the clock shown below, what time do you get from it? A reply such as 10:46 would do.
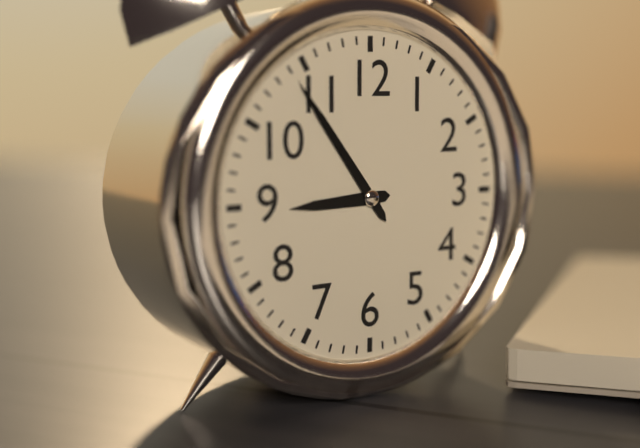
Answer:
8:54
